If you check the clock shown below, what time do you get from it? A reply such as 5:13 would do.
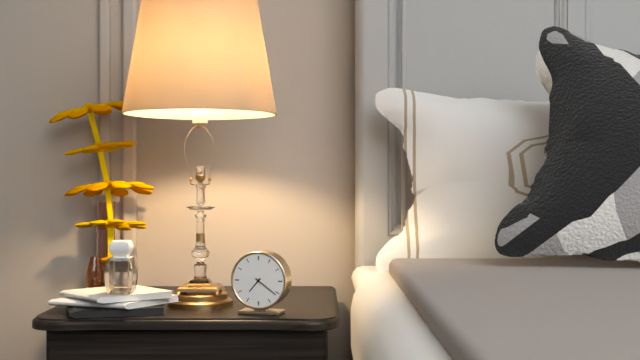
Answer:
7:21
